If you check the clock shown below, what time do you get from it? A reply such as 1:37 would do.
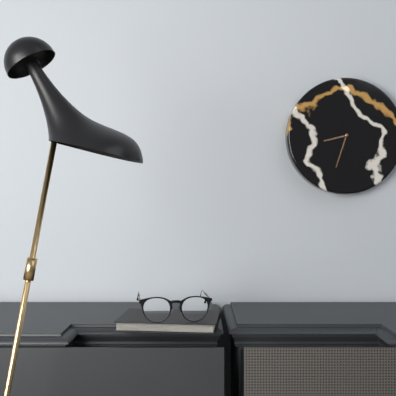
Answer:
8:33
